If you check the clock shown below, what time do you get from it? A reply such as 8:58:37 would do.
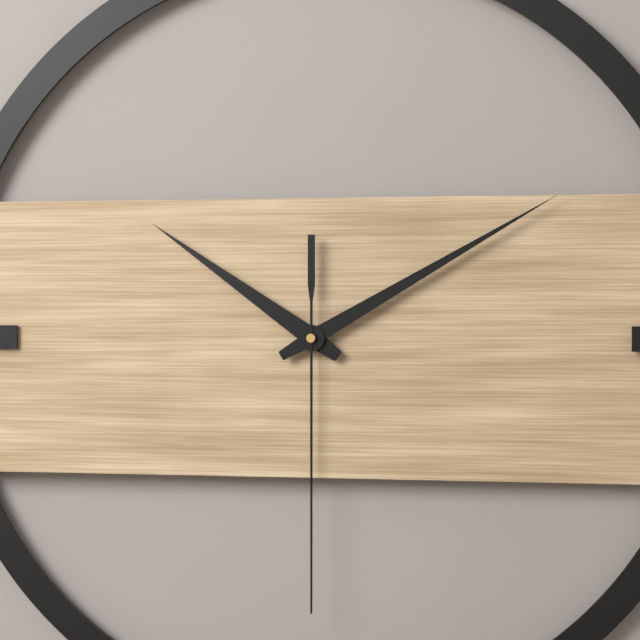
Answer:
10:10:30
